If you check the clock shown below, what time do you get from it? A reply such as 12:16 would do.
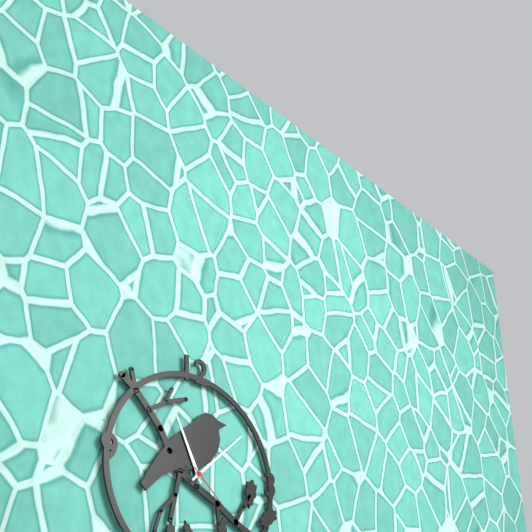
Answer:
11:08
